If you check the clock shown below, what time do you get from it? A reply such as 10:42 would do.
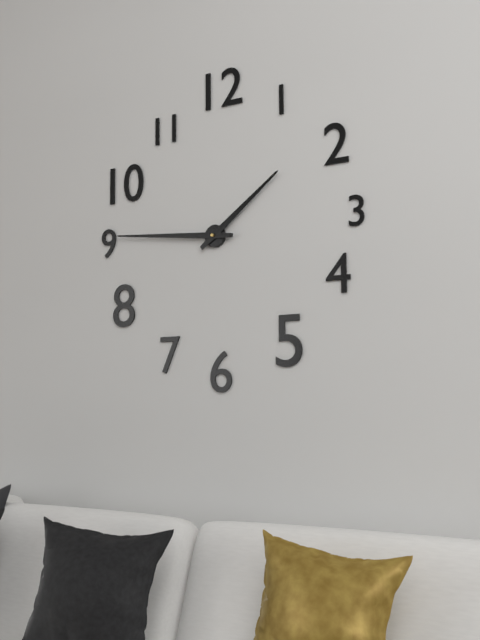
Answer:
1:46
